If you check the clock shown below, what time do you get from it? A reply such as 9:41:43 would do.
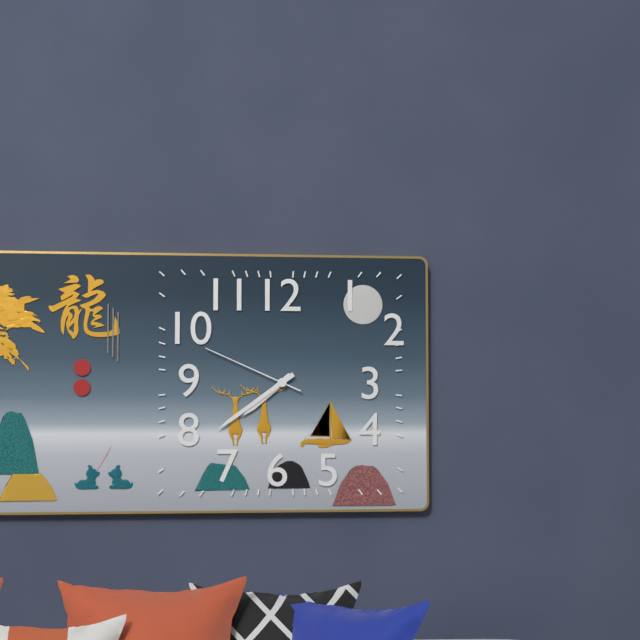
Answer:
7:39:49
